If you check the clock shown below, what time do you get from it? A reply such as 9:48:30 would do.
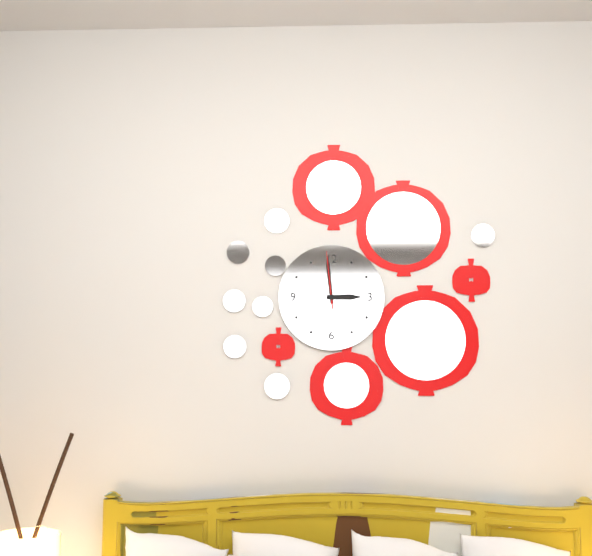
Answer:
2:59:59
